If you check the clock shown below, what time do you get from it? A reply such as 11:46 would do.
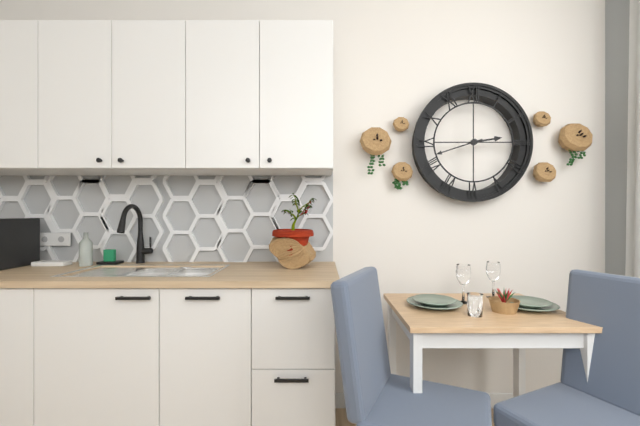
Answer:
2:42
